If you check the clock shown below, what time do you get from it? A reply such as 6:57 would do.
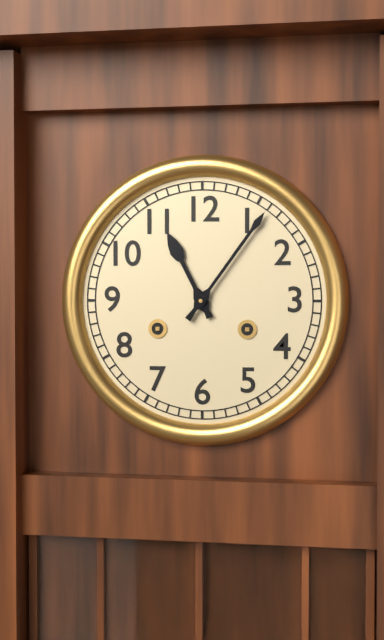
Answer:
11:06
